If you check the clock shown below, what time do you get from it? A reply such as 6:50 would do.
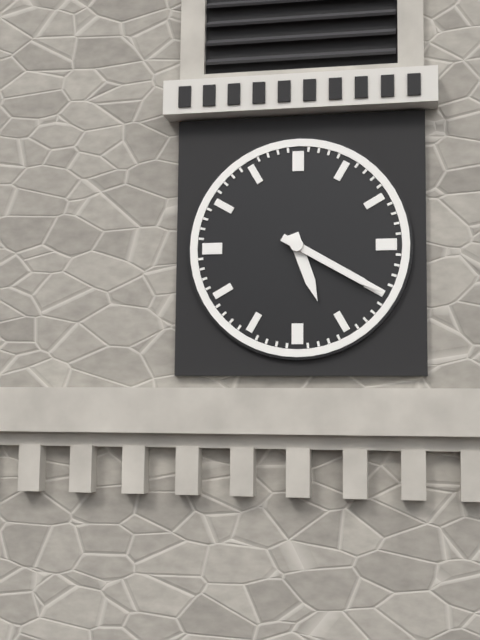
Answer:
5:20
